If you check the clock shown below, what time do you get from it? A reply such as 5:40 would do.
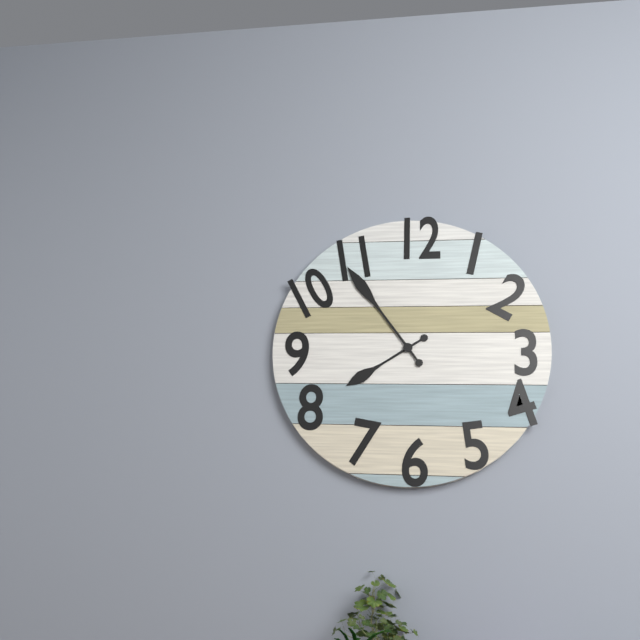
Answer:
7:54
